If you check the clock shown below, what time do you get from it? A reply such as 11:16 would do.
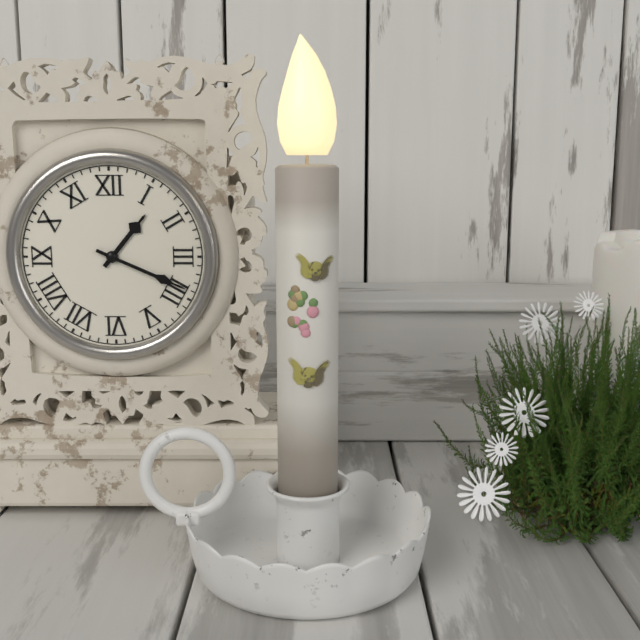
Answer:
1:19
